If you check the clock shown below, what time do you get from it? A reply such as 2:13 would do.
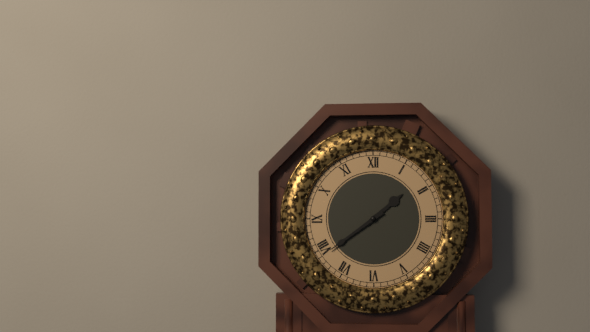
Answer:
1:39
